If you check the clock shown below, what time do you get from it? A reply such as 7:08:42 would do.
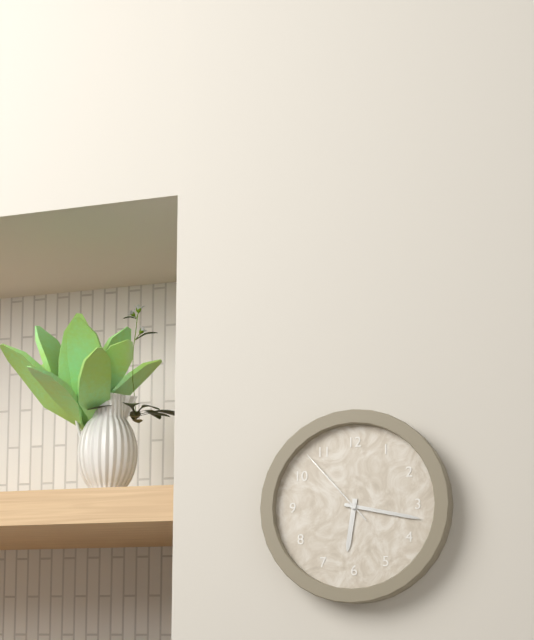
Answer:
6:17:53
